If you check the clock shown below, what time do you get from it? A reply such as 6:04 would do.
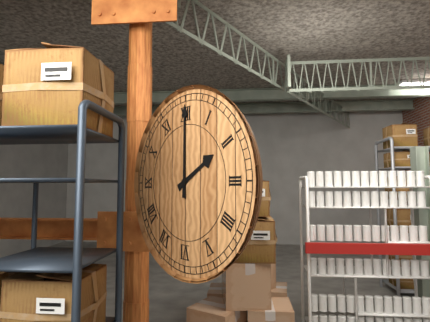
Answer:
2:00
